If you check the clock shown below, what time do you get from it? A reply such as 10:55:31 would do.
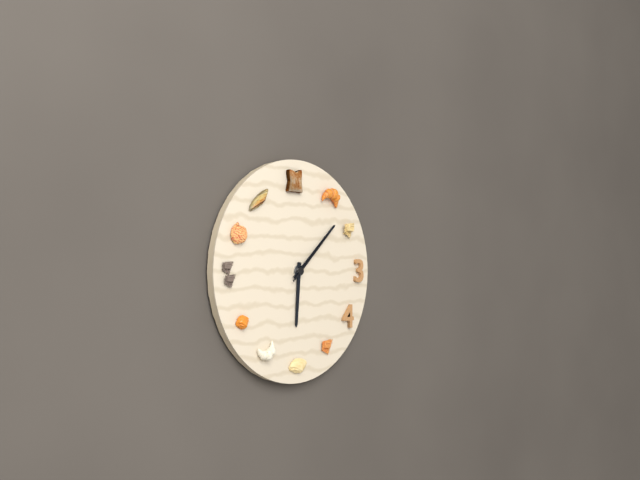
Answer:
6:08:08
